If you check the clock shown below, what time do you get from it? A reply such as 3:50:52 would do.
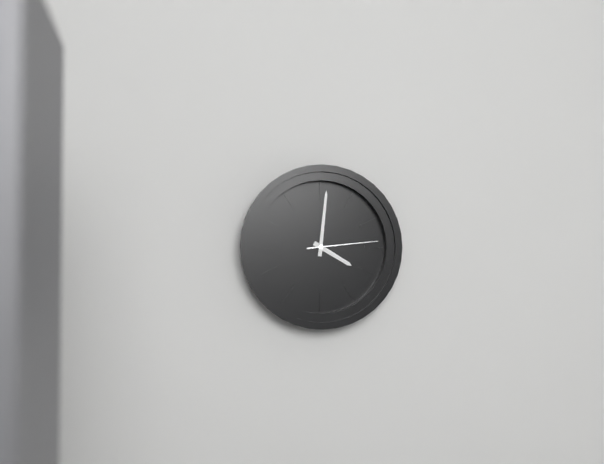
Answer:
4:01:14
